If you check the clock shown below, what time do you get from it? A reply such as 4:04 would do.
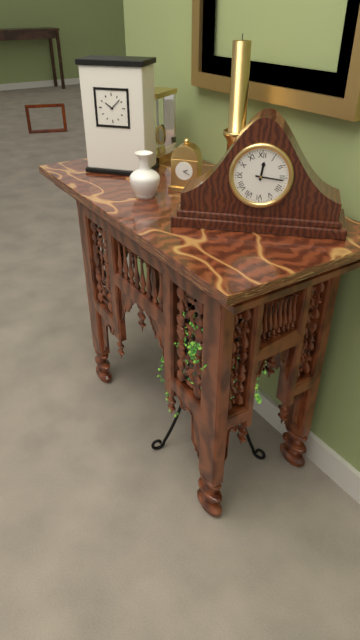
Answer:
12:16
